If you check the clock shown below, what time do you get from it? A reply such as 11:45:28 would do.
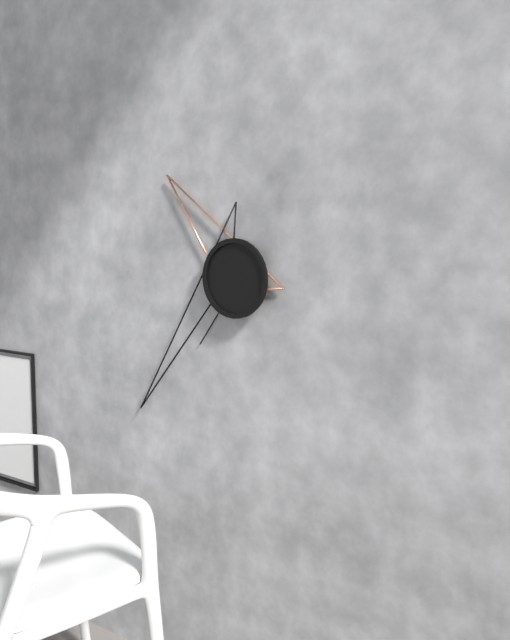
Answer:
10:37:36
